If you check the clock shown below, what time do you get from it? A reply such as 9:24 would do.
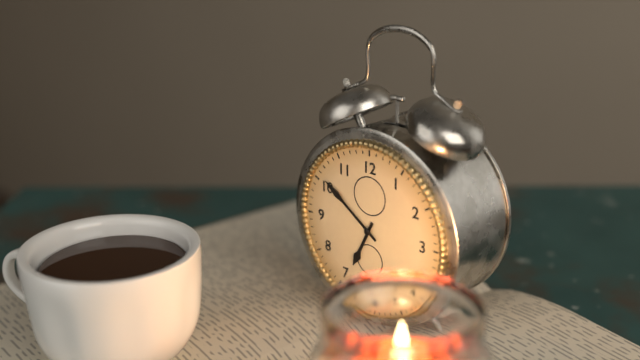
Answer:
6:51
